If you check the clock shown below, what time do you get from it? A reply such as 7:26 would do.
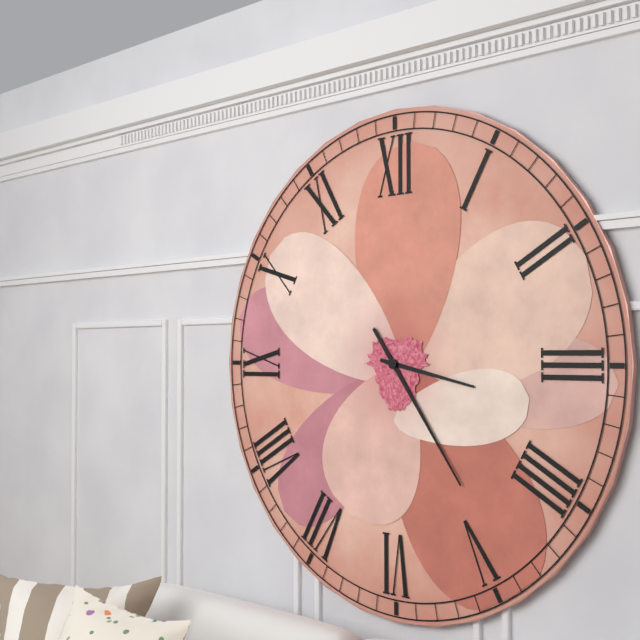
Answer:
3:24
